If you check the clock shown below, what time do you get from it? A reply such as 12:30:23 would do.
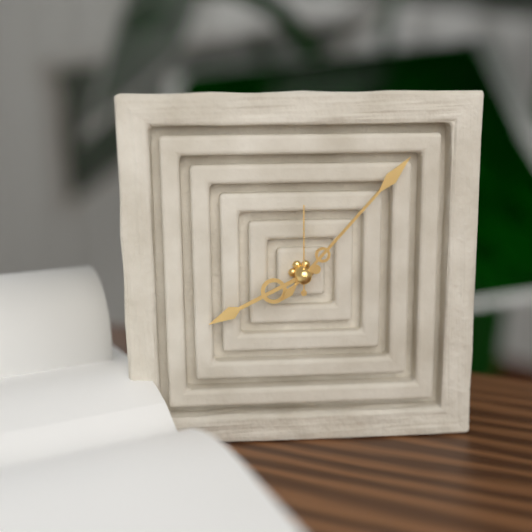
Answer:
8:07:00
